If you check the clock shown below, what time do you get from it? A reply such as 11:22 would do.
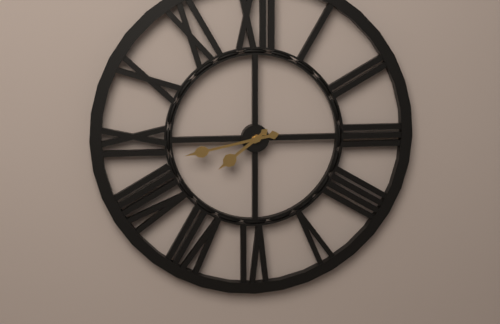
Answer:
7:43
